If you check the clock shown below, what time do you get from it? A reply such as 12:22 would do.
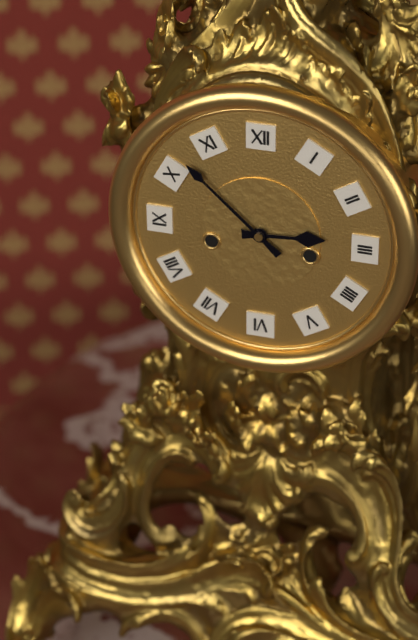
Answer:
2:52
